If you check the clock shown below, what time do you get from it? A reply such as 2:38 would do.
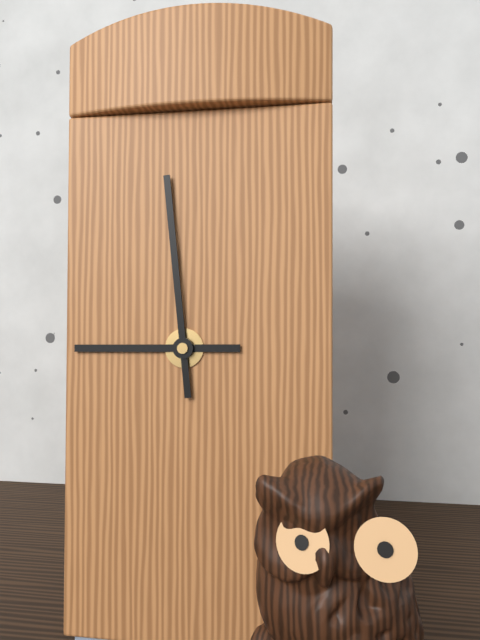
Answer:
8:59
